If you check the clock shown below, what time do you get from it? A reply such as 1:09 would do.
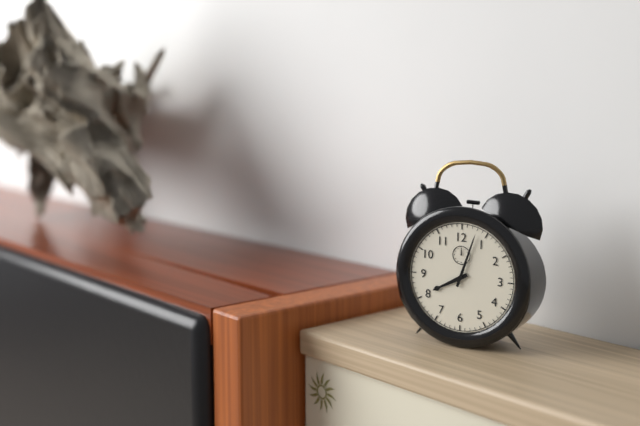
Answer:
8:03
